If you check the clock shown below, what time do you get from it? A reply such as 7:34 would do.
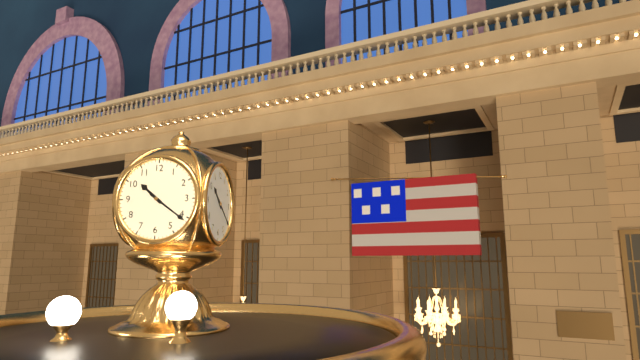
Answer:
10:21
